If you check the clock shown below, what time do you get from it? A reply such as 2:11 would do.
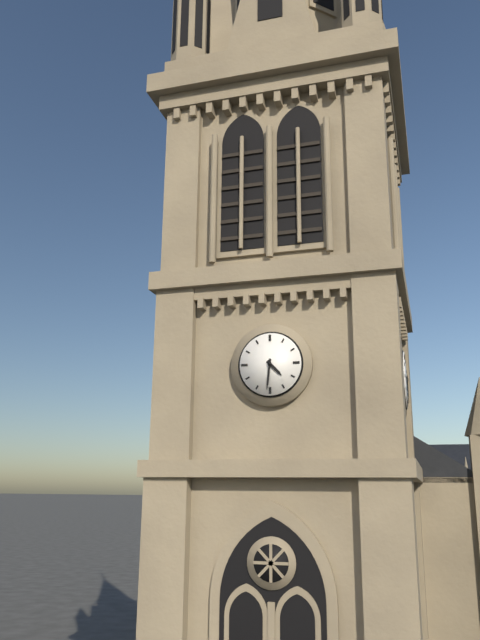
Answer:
4:31
